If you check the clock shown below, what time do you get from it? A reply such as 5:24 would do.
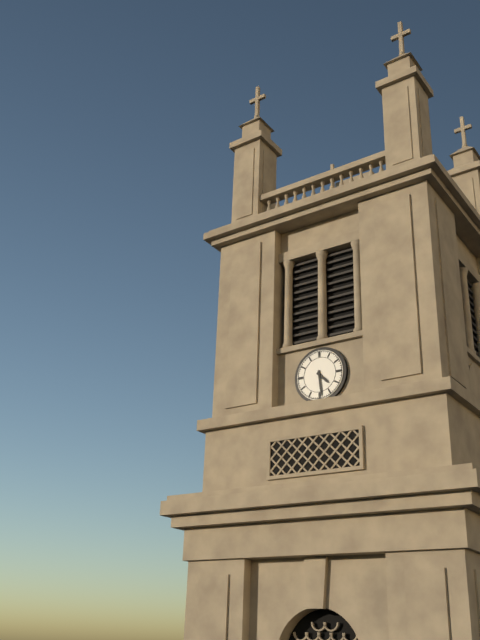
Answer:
4:29
